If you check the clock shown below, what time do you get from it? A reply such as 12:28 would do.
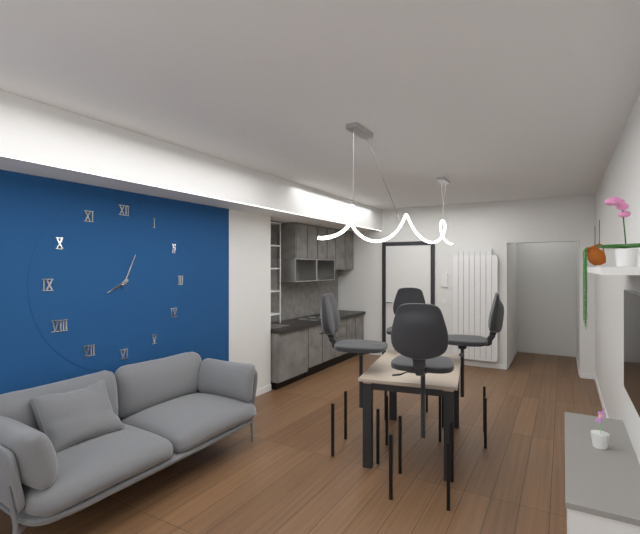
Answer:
8:04
